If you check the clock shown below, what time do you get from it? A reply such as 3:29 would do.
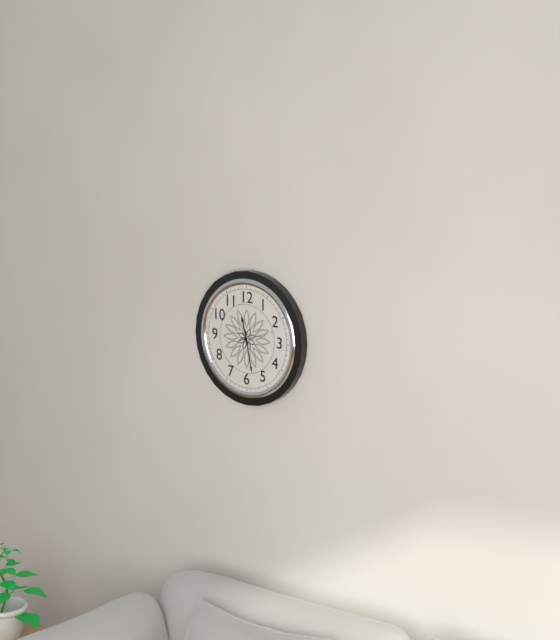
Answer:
11:28
